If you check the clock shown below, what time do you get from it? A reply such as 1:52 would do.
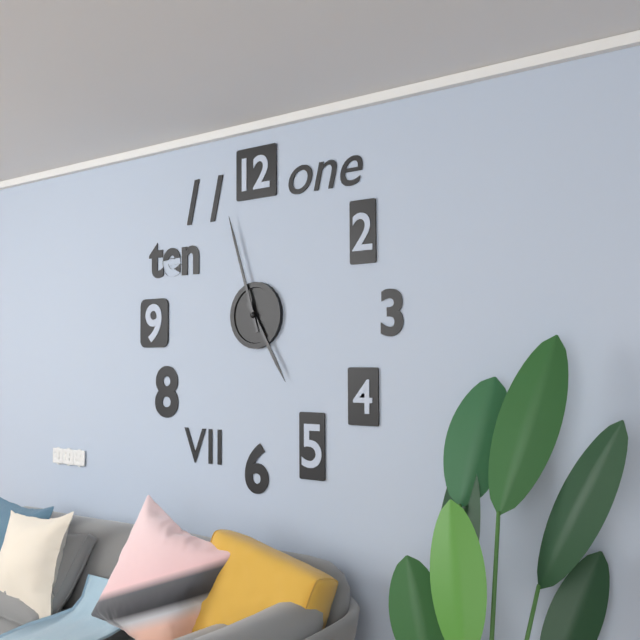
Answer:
4:57
